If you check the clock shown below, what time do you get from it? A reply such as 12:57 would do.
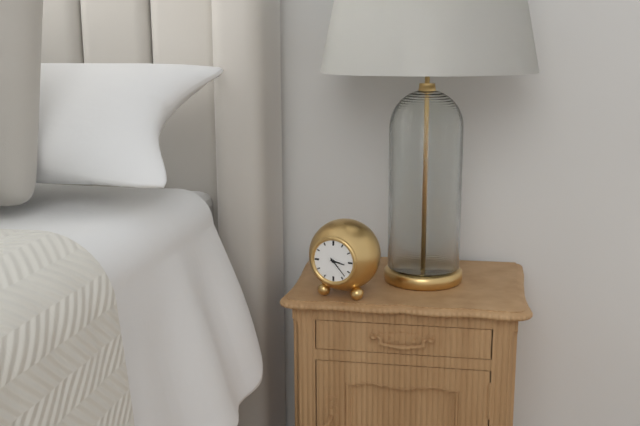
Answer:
3:23
